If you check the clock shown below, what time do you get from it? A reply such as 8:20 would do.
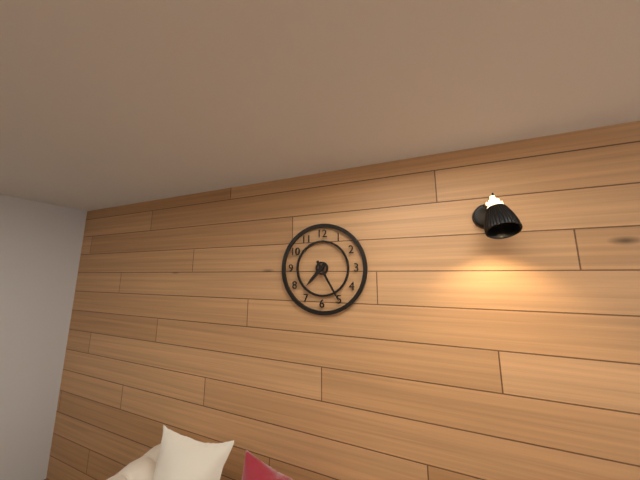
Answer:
7:25
